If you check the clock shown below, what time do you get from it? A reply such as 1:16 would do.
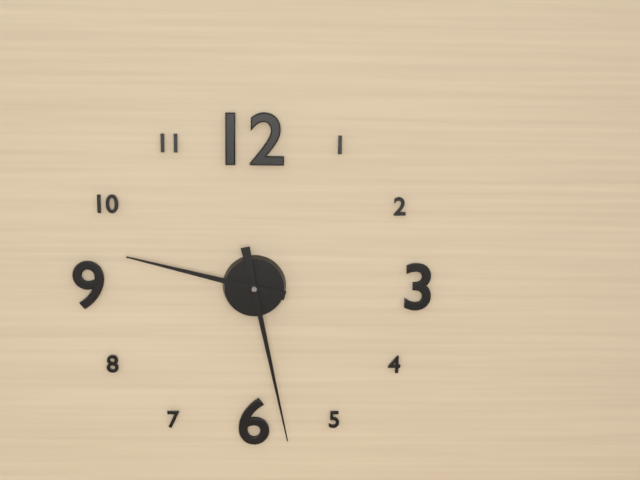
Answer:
9:28
